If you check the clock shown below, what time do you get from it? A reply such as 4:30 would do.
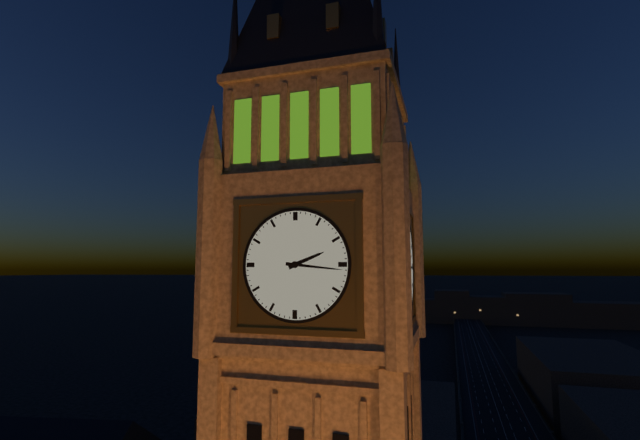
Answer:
2:16
